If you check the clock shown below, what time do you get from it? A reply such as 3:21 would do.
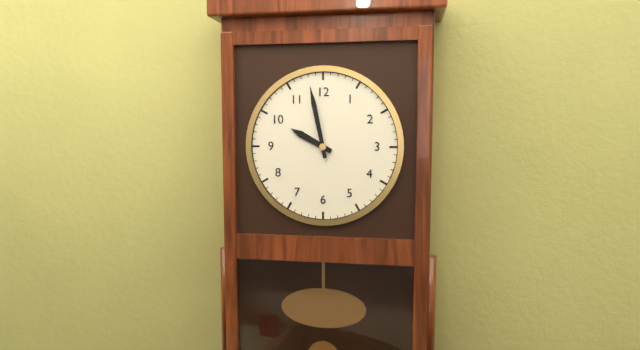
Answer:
9:58
